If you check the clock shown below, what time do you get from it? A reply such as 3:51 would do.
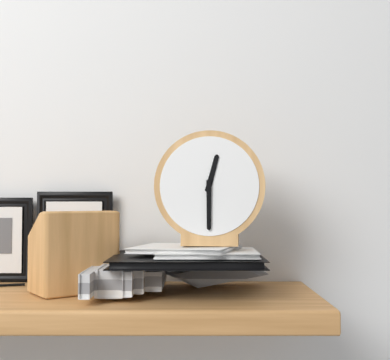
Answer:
12:30
